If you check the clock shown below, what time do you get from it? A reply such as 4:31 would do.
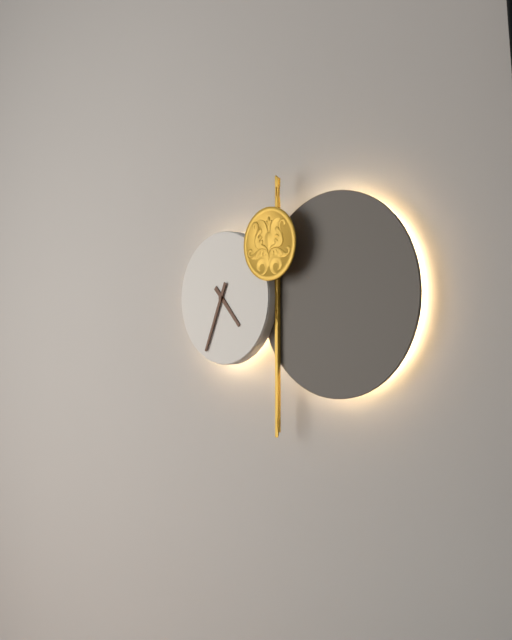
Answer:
4:34
